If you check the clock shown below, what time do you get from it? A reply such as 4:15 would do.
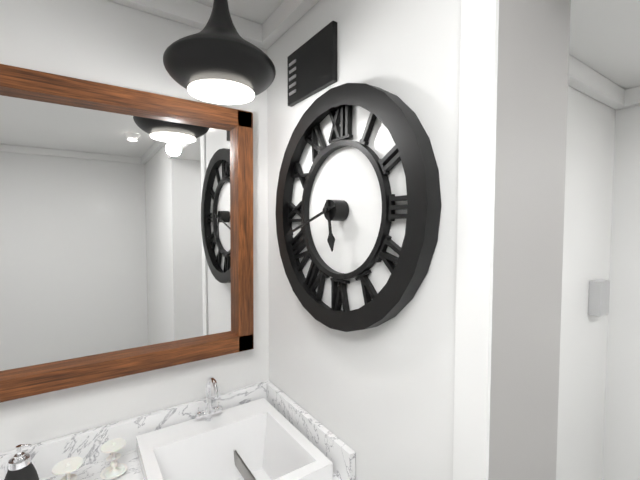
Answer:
5:42
